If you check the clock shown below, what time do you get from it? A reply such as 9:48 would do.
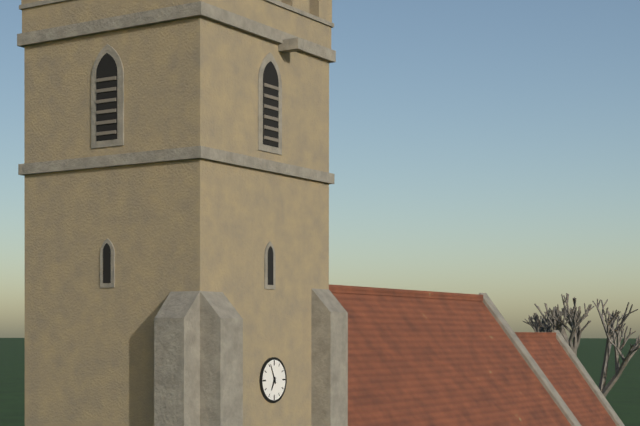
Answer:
6:56
